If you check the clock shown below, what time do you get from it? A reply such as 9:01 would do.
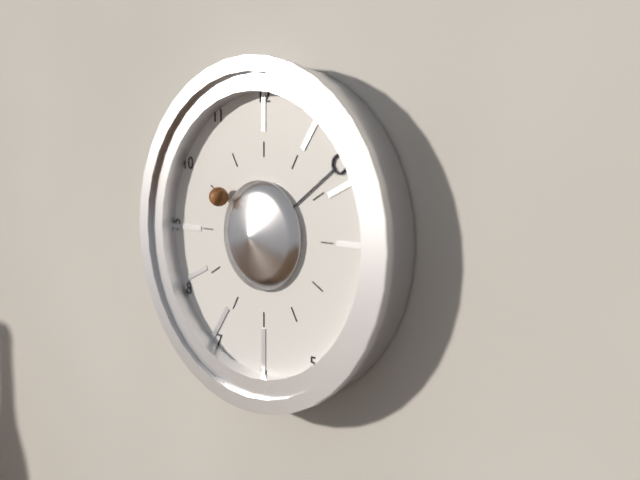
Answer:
10:09
